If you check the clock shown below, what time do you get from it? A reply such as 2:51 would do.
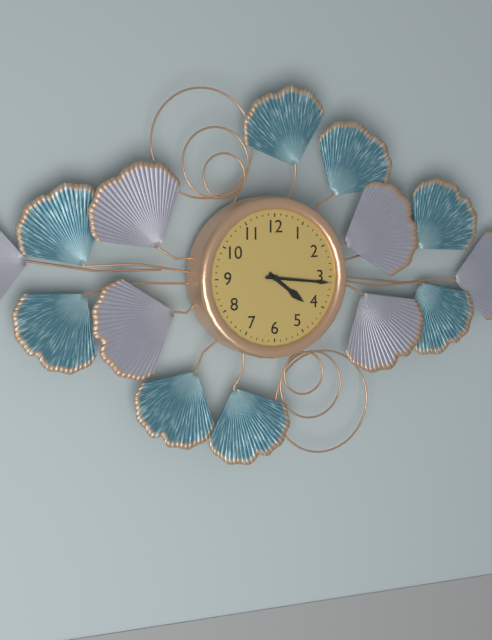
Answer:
4:16
